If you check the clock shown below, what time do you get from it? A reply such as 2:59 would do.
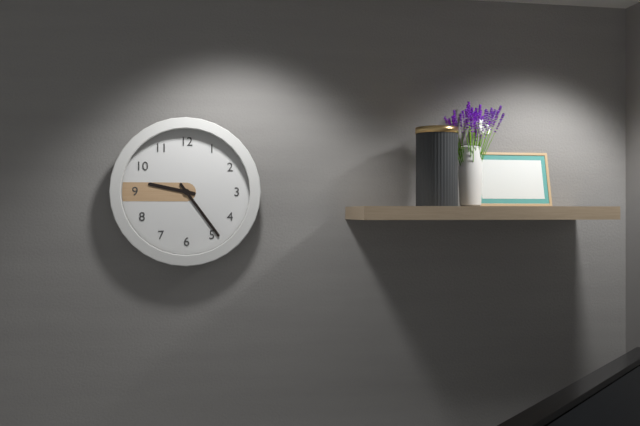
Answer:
9:24
